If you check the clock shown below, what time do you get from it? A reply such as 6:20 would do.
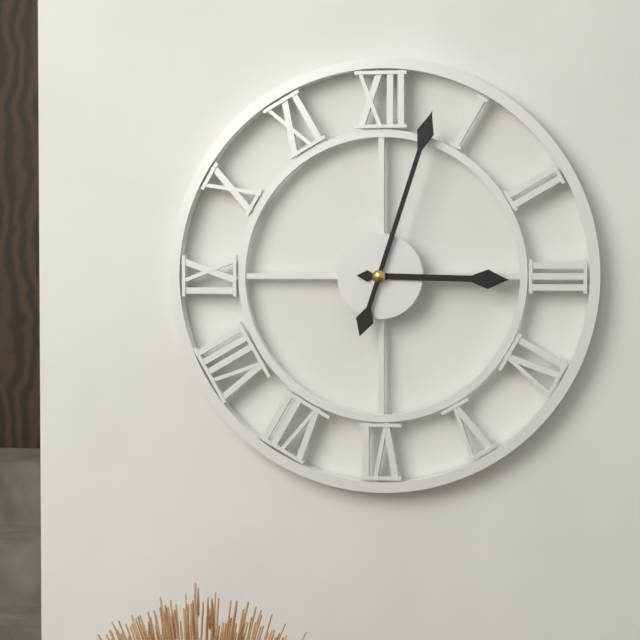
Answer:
3:03
